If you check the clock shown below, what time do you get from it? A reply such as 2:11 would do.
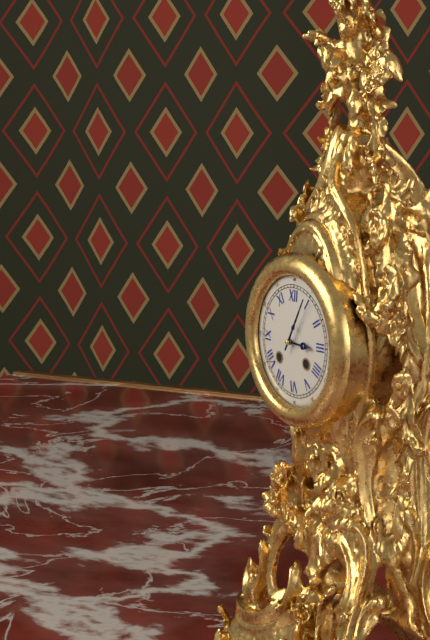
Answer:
3:05
